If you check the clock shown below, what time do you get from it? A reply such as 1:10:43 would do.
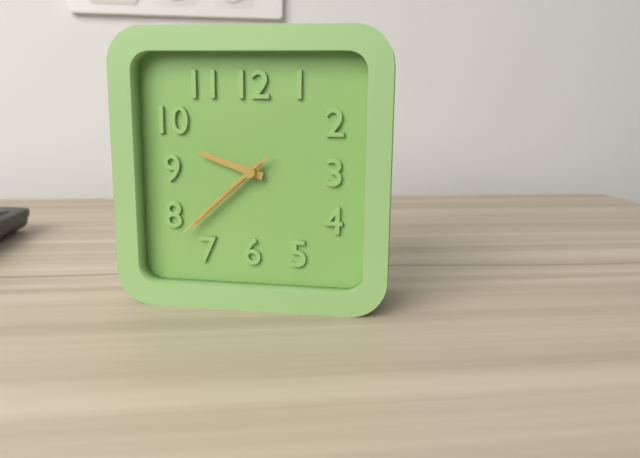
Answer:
9:38:38
